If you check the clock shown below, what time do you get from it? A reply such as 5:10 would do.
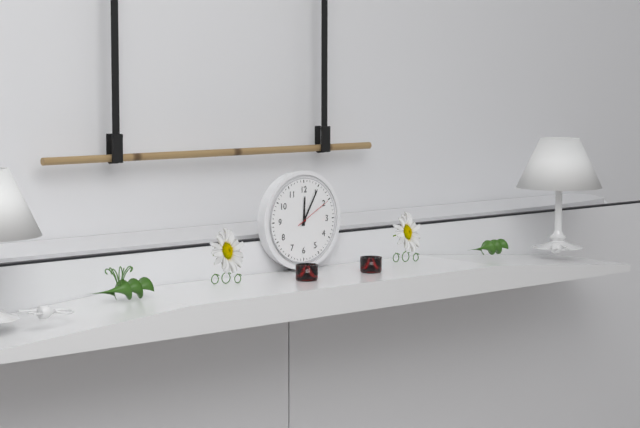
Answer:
12:05
